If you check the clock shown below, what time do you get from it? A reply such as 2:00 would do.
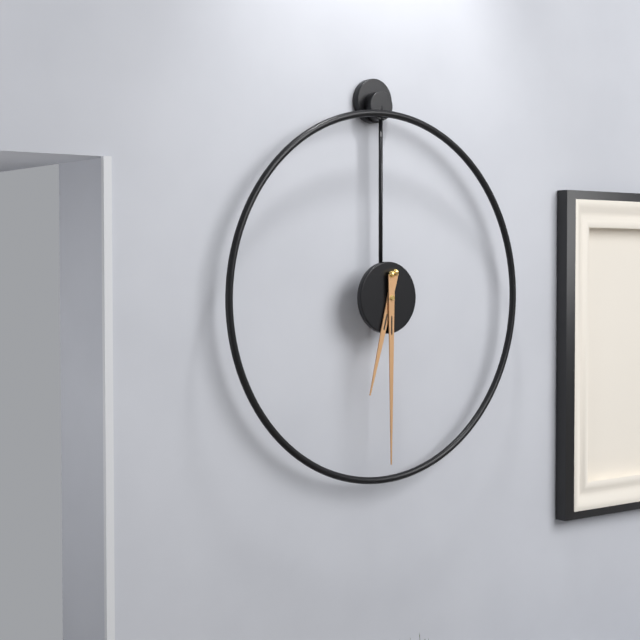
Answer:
6:30
